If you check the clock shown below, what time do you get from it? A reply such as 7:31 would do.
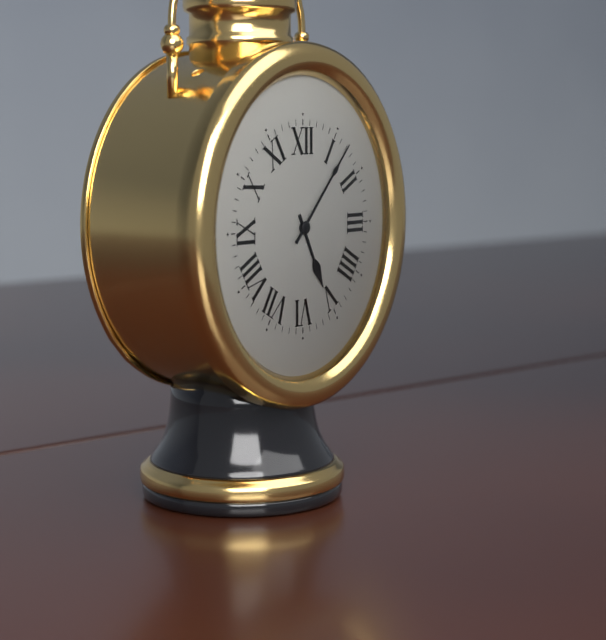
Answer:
5:07
